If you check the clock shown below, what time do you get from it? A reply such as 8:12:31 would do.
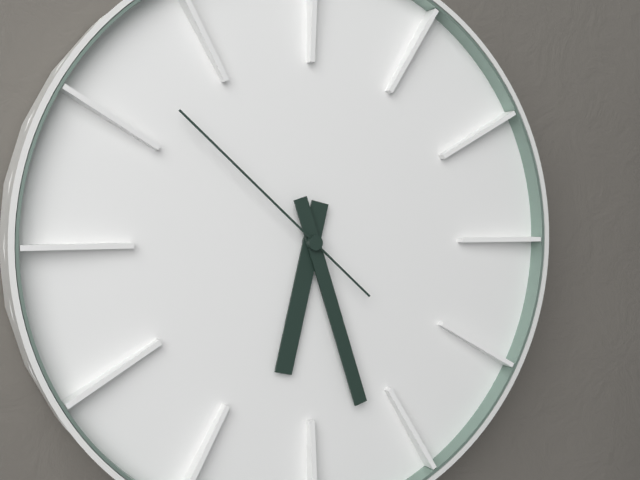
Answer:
6:27:52
